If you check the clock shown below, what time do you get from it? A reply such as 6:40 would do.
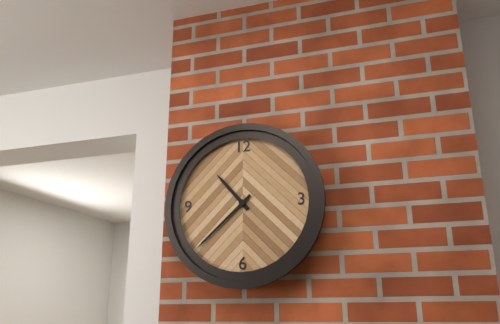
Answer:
10:38
